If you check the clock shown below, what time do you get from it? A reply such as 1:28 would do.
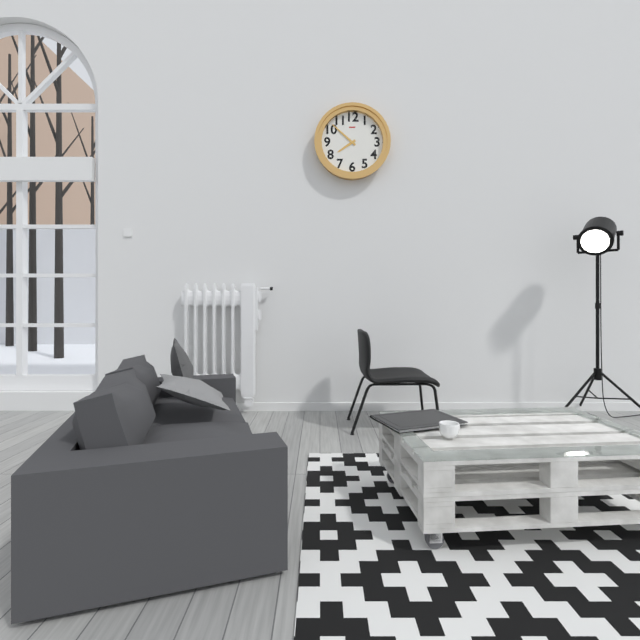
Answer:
7:52
